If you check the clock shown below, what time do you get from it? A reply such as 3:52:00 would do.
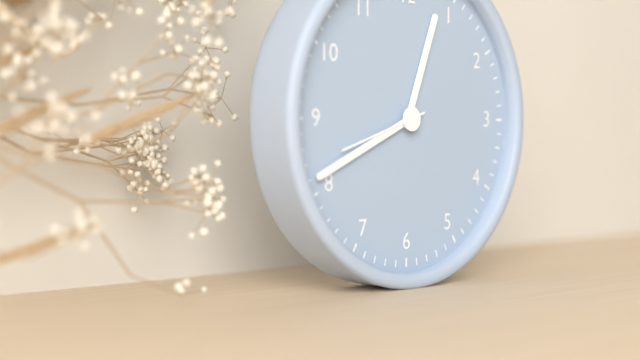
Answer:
12:41:42
